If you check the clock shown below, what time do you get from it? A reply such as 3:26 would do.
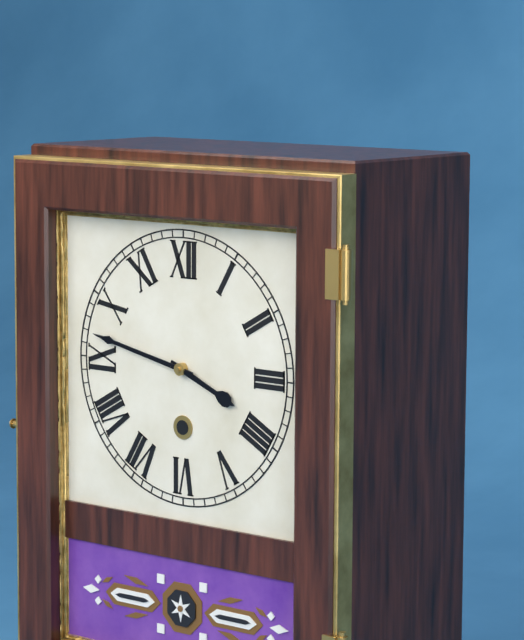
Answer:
3:47
